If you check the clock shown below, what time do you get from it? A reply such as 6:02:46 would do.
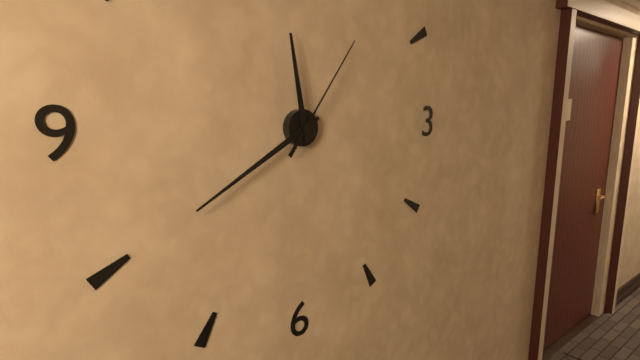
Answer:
11:40:06
